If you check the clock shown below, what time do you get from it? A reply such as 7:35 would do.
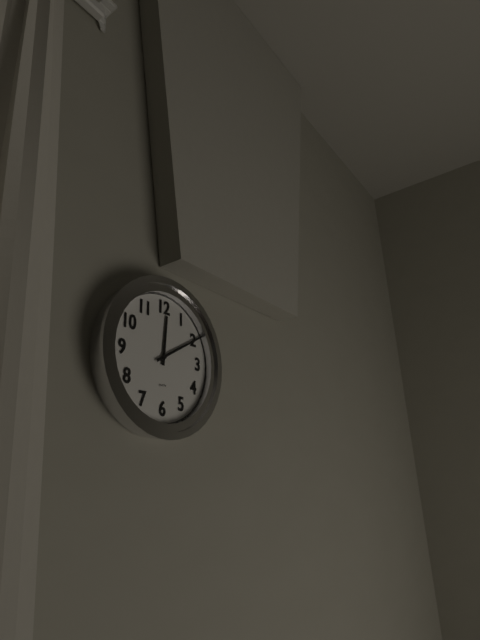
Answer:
12:10
